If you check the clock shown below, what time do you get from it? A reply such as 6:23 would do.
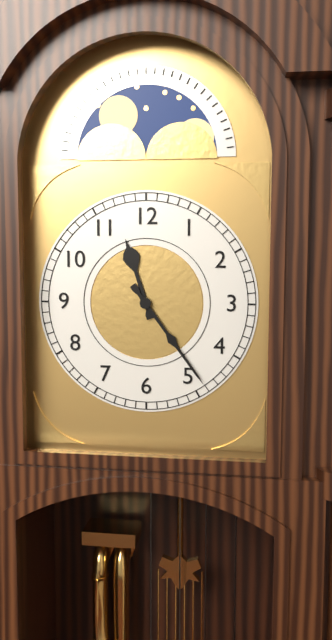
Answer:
11:24
